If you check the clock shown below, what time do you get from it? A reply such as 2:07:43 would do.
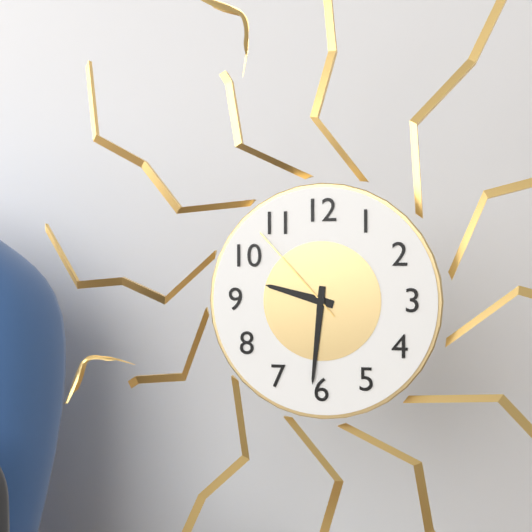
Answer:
9:31:53
